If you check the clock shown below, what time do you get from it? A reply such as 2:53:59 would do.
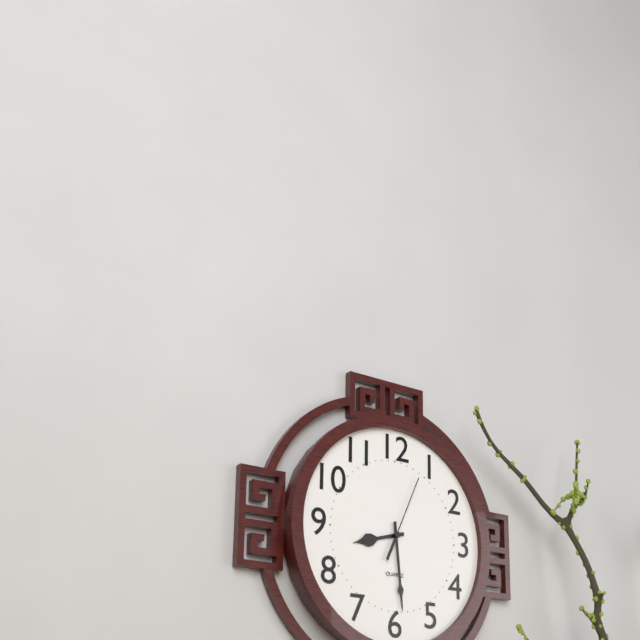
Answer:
8:29:04
